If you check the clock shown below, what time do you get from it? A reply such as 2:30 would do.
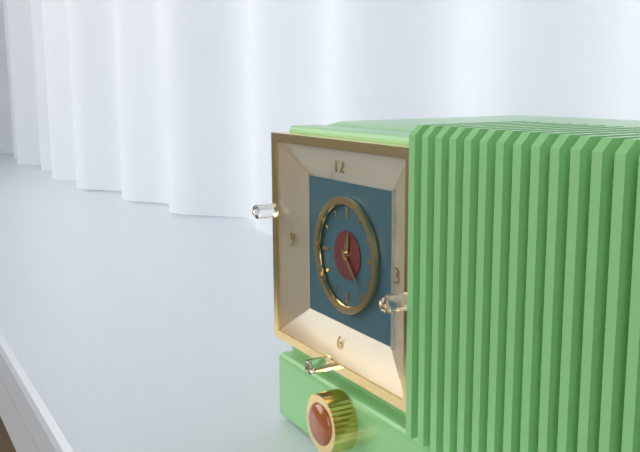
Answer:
12:23
